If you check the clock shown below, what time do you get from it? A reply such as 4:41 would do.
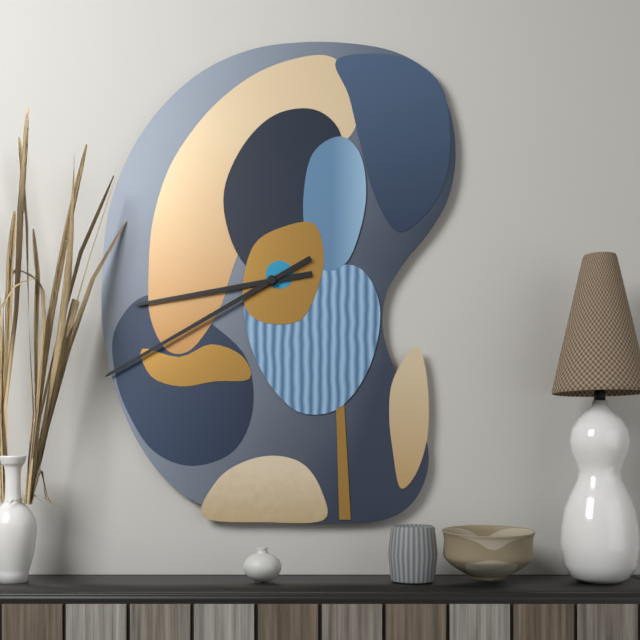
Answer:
8:40
